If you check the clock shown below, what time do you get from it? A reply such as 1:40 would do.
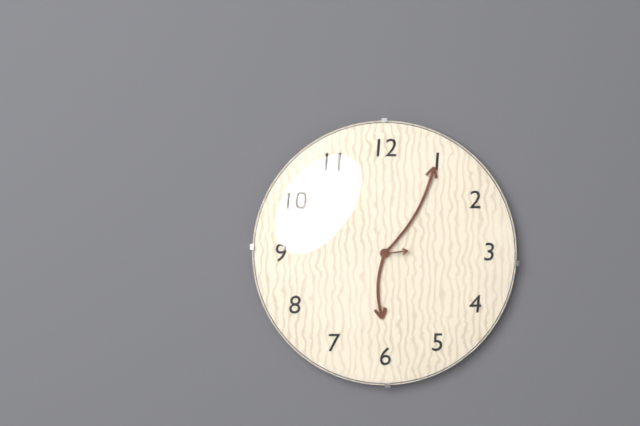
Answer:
6:05
